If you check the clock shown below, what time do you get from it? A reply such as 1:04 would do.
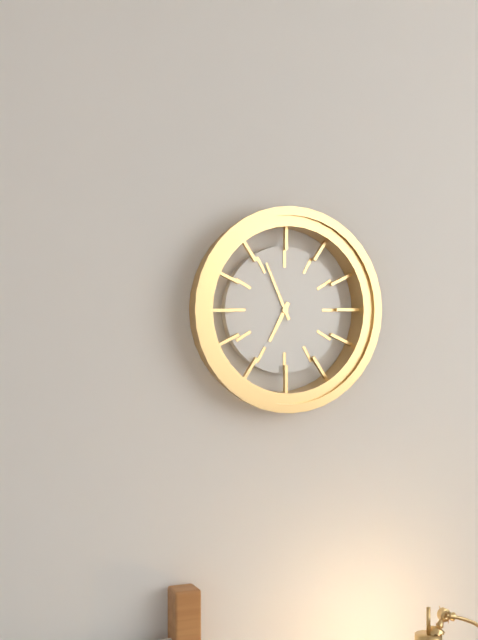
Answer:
6:56
